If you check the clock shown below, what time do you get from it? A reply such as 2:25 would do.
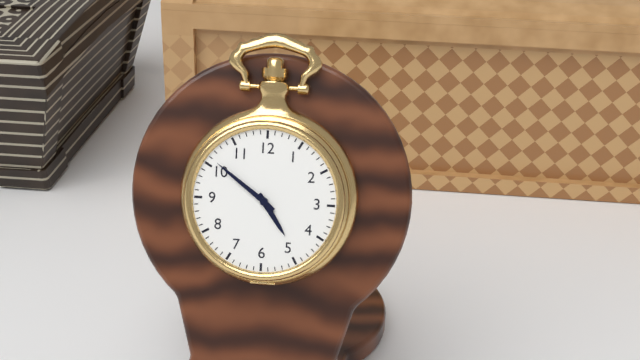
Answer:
4:51
